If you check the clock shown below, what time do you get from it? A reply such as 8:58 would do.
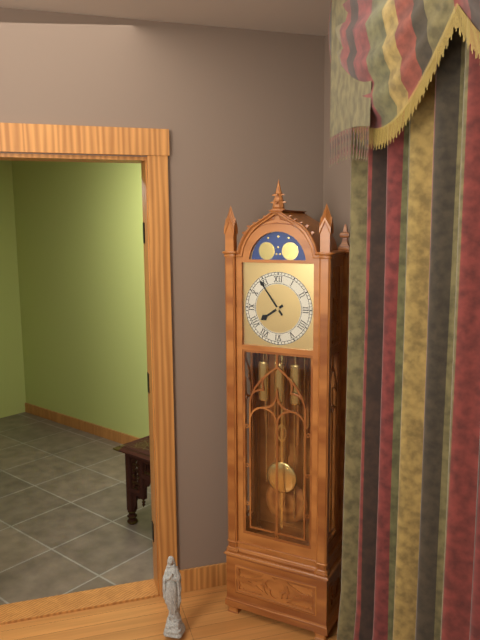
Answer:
7:54
